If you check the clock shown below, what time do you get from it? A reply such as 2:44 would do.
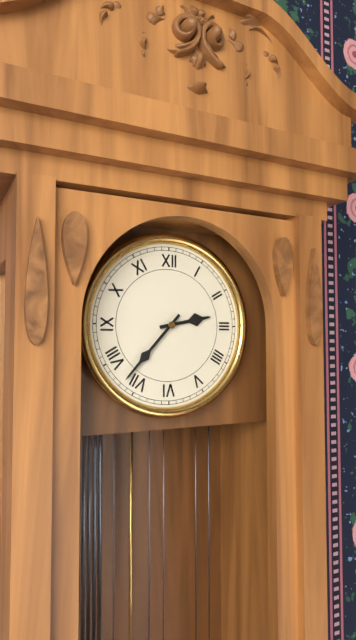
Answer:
2:37
